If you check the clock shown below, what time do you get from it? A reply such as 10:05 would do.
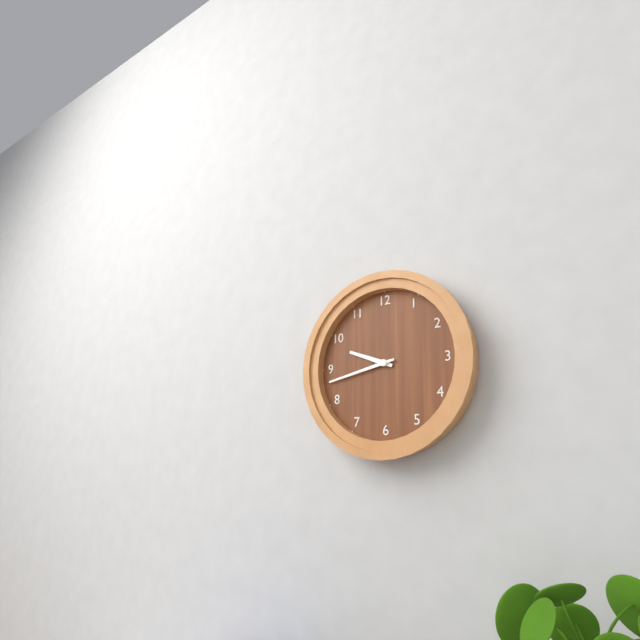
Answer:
9:43
